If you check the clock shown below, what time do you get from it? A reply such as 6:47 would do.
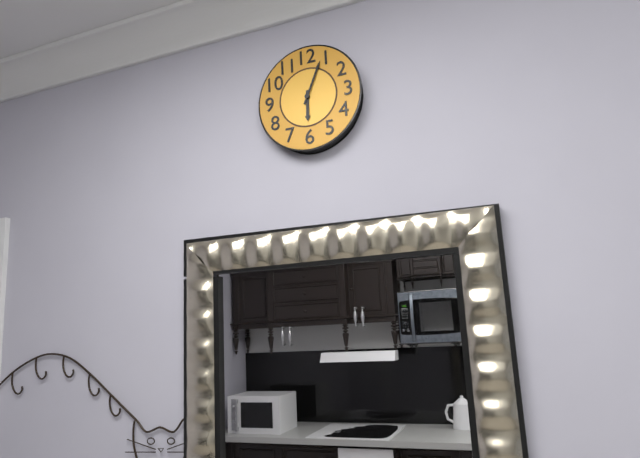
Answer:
6:04
